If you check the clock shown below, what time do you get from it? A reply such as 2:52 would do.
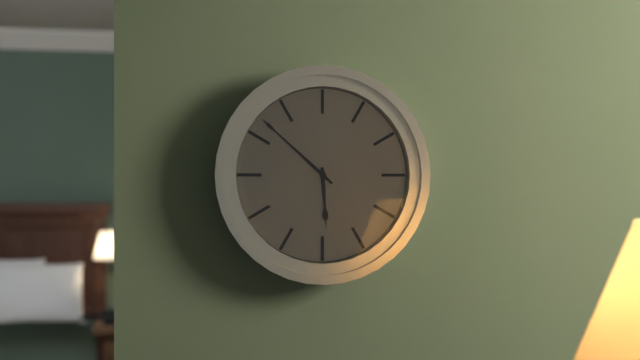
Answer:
5:52
